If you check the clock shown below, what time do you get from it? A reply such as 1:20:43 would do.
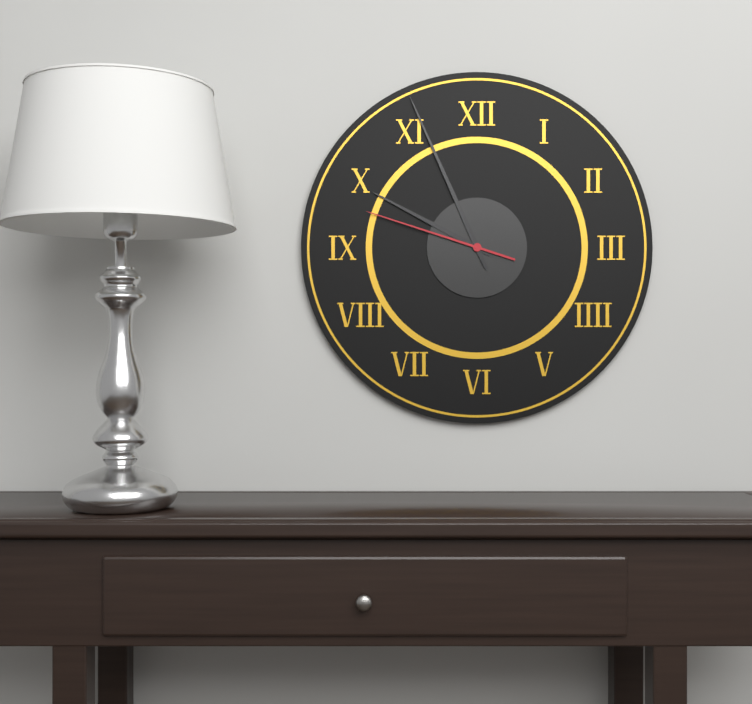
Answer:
9:56:48
